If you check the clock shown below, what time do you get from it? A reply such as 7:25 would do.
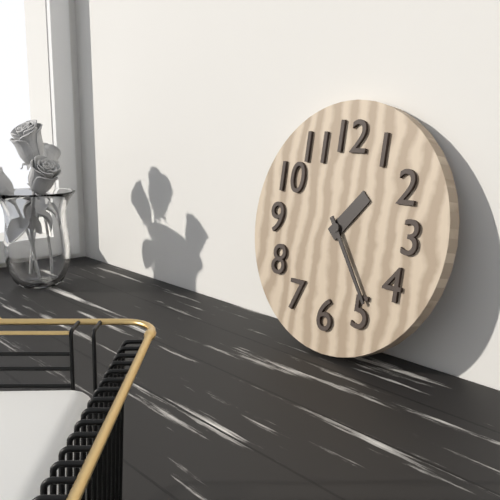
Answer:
1:24
